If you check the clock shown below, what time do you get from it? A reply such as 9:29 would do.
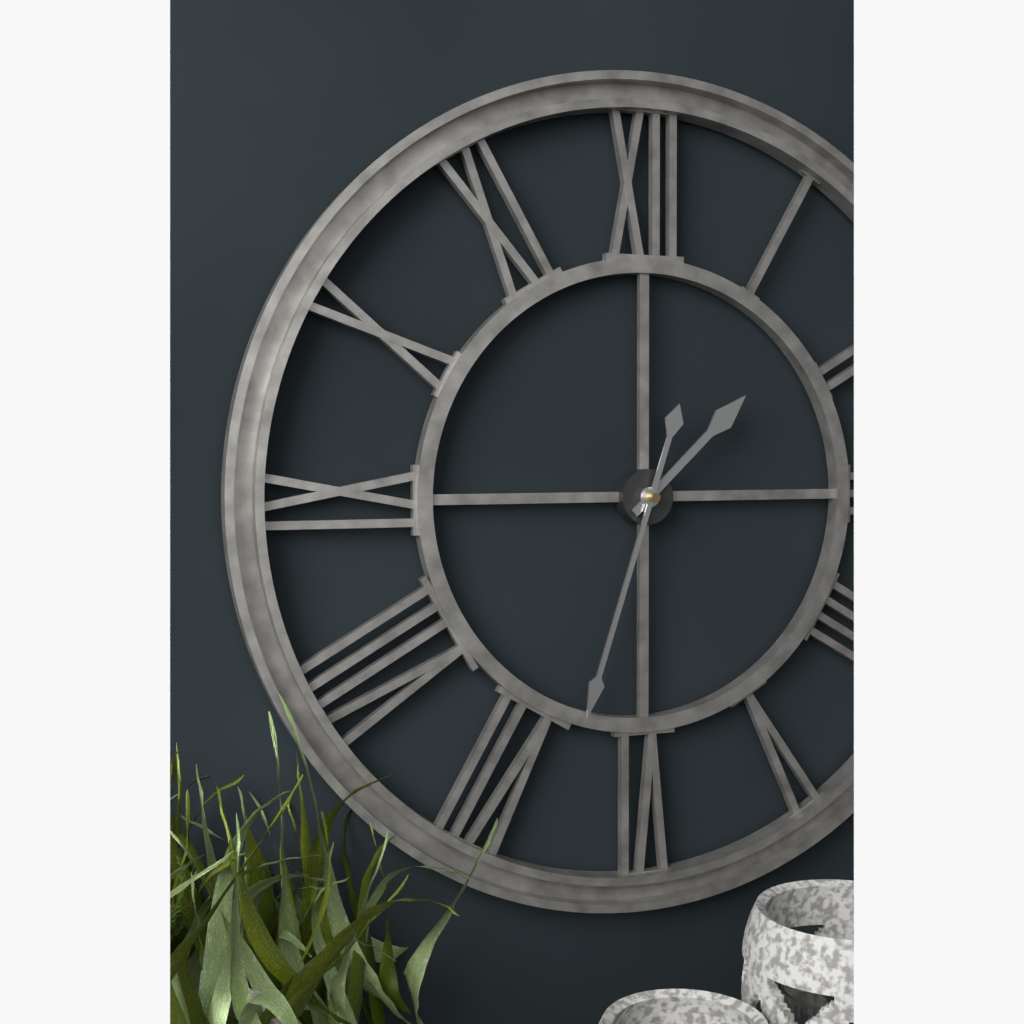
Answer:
1:33
